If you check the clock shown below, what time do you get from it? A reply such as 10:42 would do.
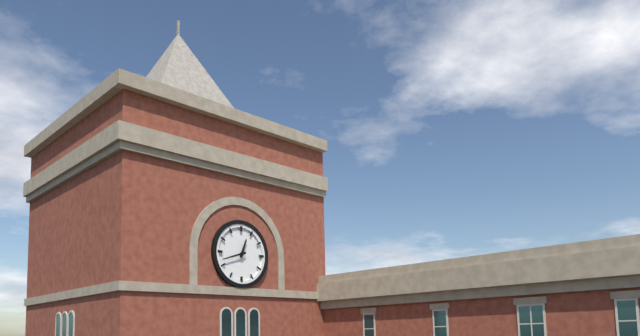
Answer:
12:42
